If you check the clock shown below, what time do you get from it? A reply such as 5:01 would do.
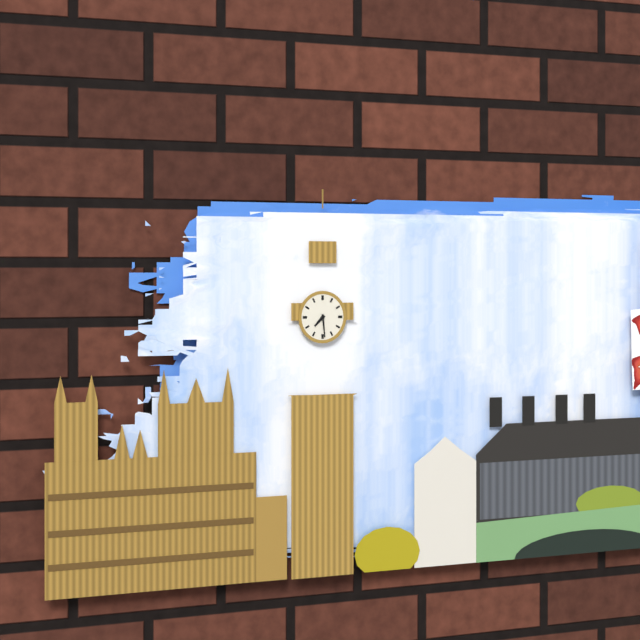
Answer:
7:29
